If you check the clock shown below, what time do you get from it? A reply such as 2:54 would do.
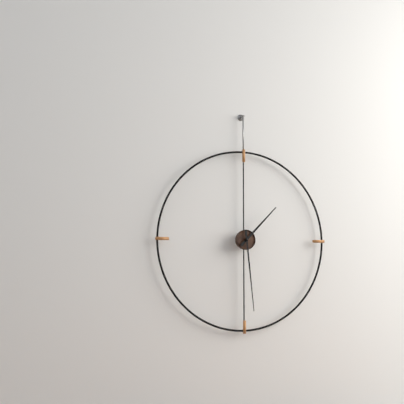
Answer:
1:29
